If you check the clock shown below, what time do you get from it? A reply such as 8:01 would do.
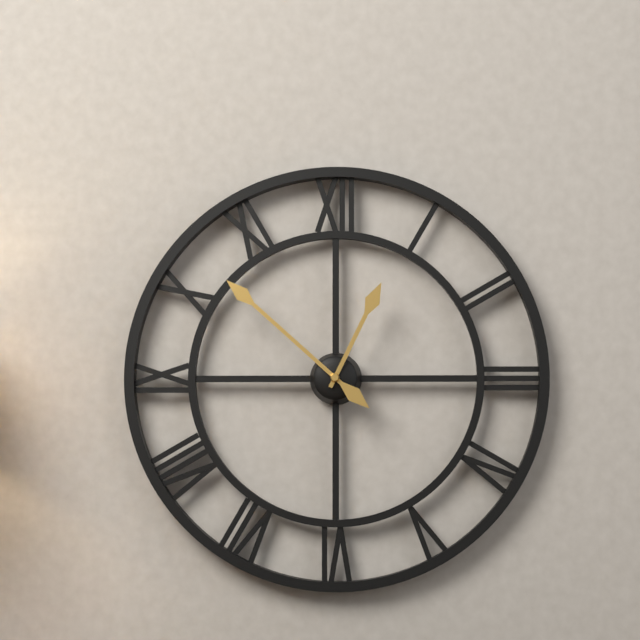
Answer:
12:52
